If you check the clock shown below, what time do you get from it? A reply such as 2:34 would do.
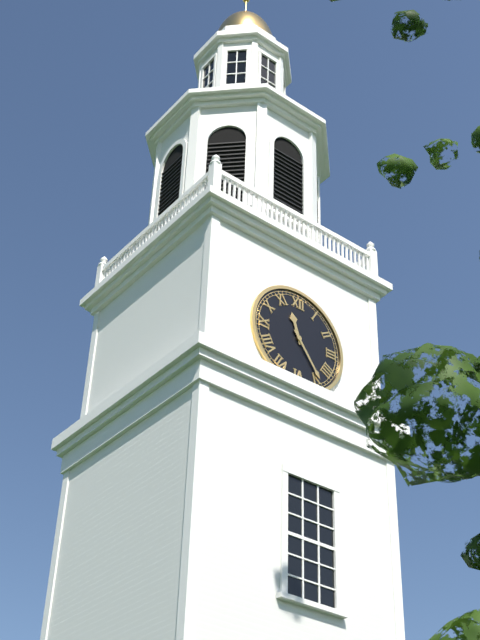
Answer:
11:24
